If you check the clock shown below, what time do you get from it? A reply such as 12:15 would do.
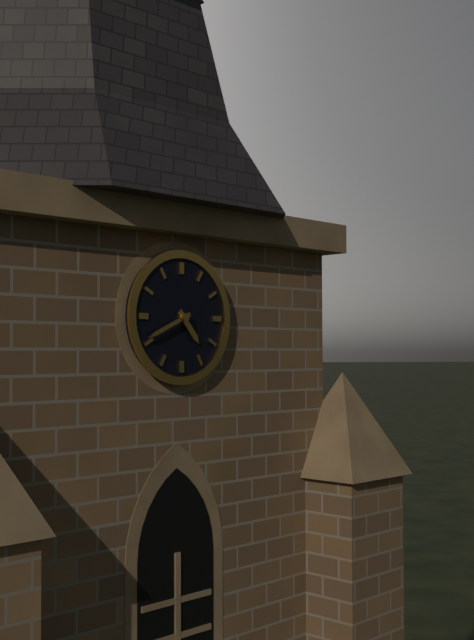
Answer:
4:41
